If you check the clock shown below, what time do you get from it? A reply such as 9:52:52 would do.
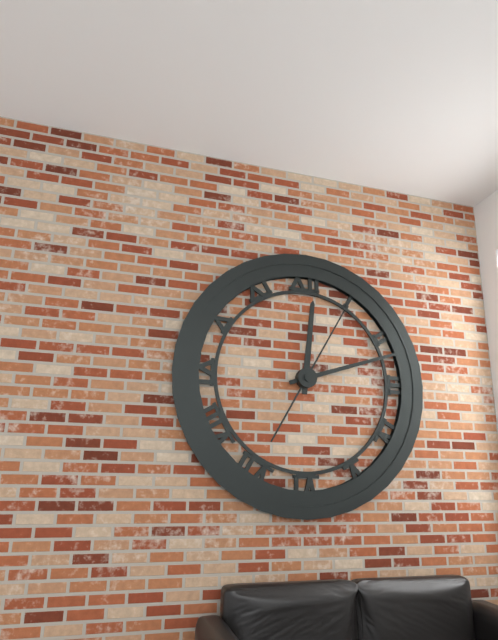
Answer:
12:12:05
